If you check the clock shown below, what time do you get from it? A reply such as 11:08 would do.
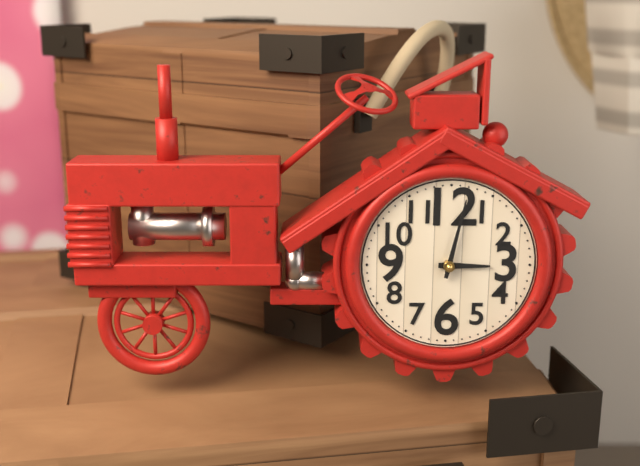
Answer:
3:02
